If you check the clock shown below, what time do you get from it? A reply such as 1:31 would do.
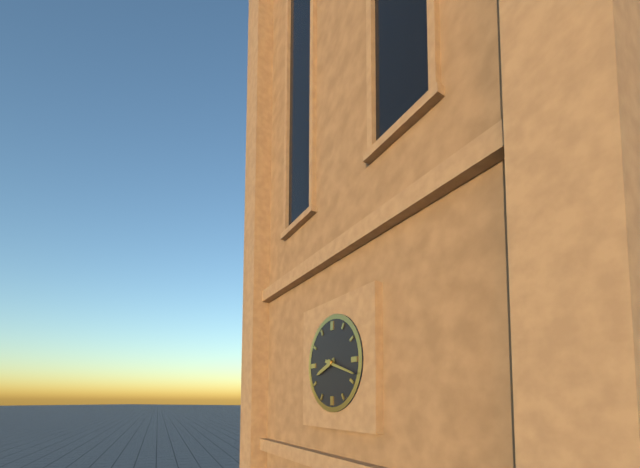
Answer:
8:18
